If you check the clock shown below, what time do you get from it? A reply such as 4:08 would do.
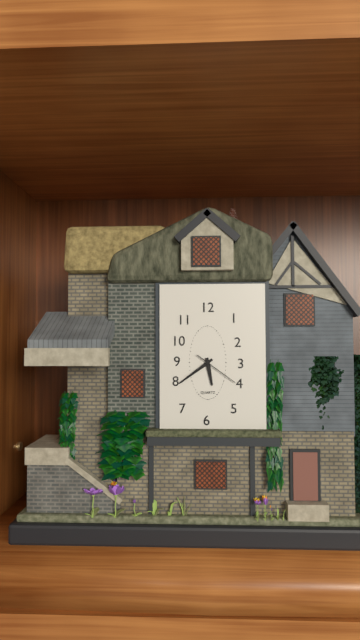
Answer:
5:39
